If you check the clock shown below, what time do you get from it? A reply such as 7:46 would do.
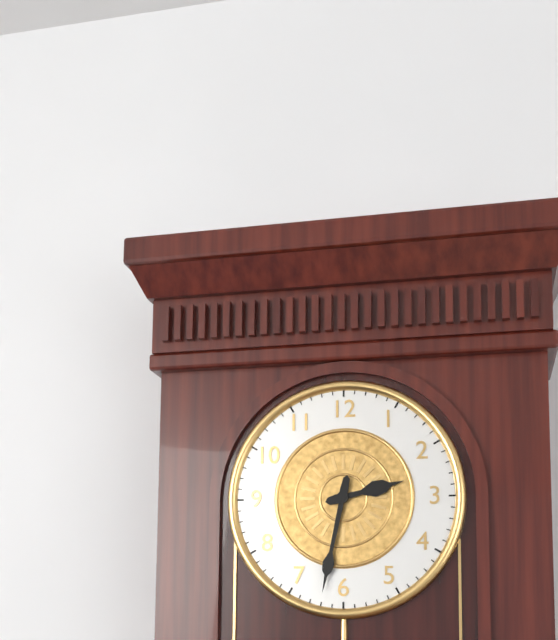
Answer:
2:32
